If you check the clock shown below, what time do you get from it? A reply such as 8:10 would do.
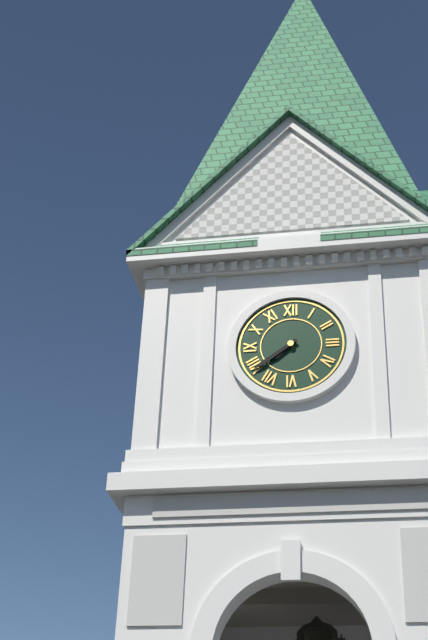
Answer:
7:39
